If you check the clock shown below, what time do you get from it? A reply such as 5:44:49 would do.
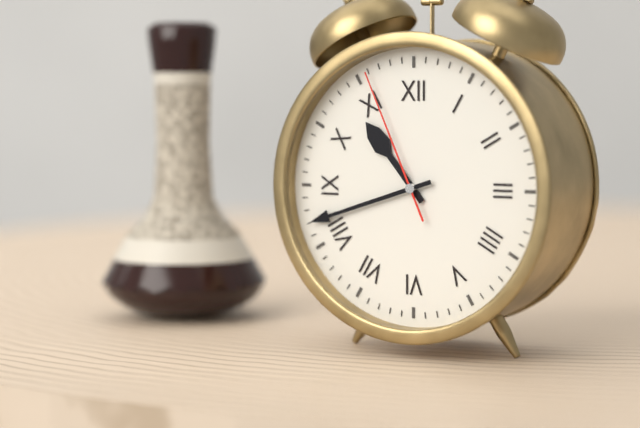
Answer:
10:42:56
